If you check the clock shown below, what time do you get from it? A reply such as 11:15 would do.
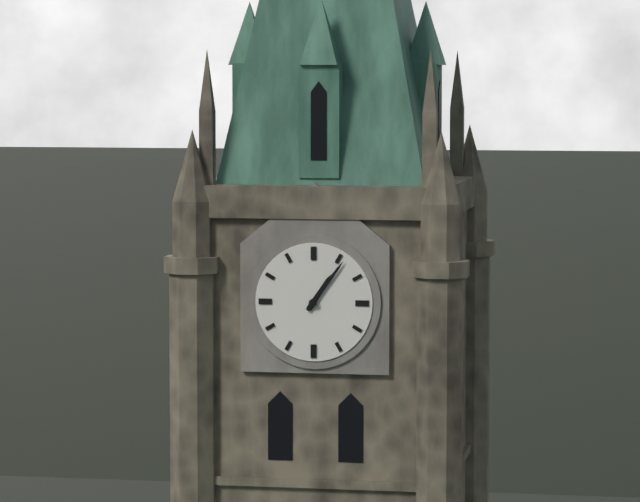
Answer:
1:06
